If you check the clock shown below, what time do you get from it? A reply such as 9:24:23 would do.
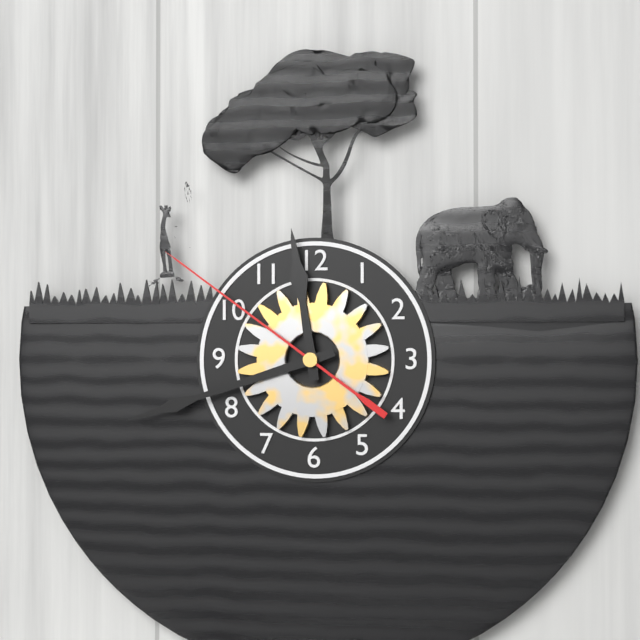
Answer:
11:42:51
